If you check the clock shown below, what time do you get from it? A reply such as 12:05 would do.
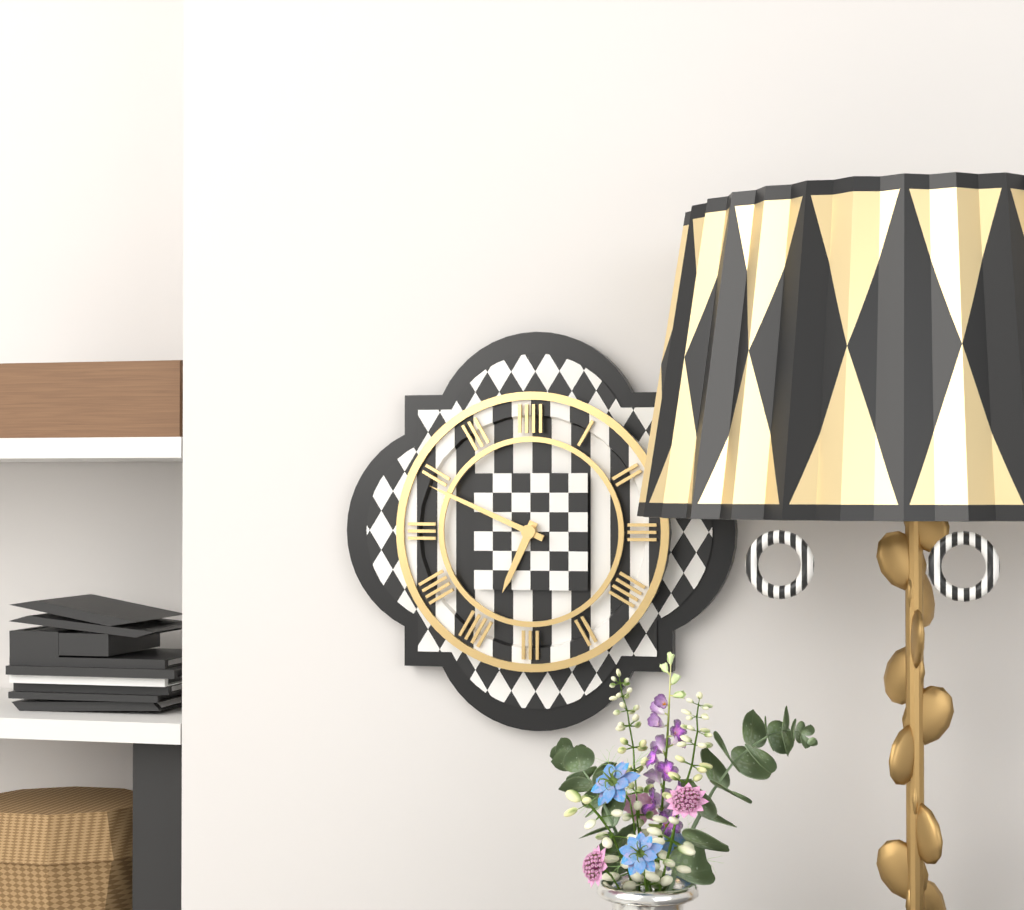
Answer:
6:49
